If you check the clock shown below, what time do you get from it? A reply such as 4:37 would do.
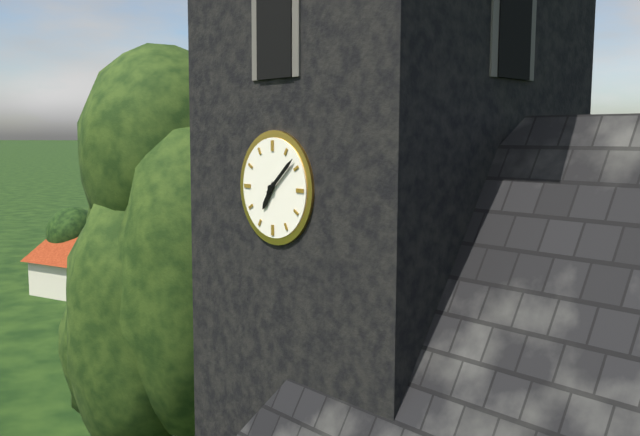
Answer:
7:08
